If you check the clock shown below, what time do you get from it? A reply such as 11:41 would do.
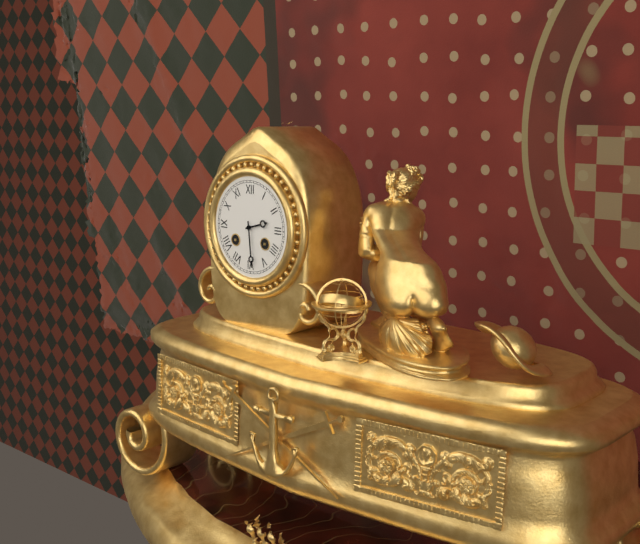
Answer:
2:29
